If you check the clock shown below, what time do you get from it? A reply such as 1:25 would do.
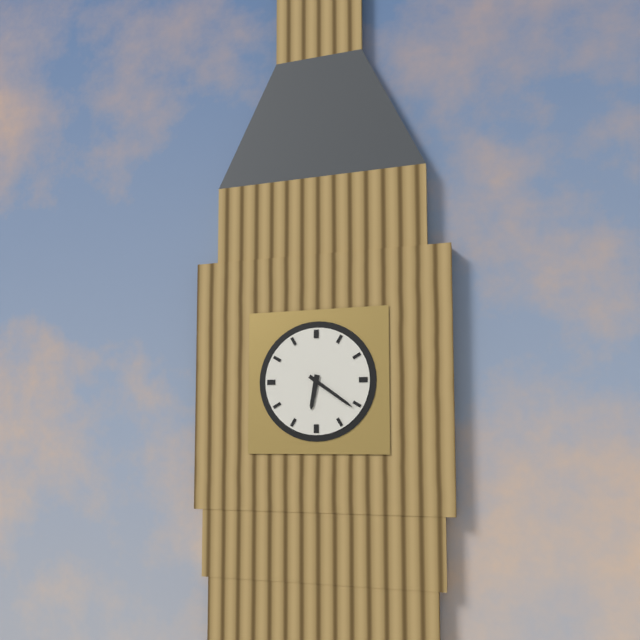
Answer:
6:21
